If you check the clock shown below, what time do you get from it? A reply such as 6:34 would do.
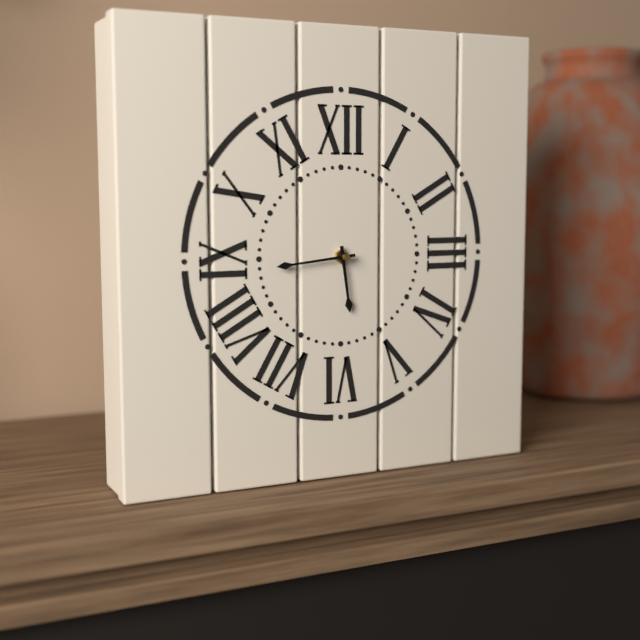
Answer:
5:44
